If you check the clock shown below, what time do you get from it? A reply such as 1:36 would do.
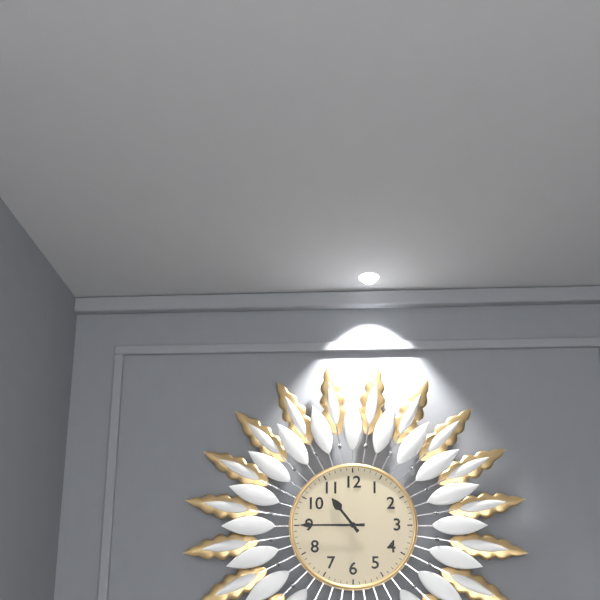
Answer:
10:45
